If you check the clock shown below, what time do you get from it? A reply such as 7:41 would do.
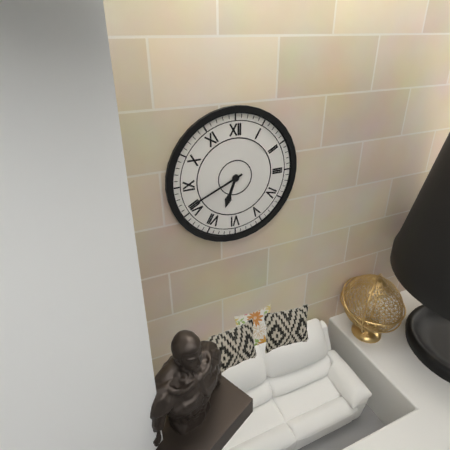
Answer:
6:41
